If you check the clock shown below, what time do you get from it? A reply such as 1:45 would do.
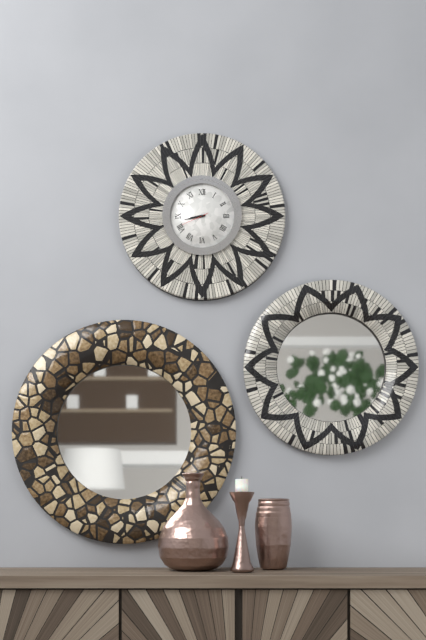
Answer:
8:43
